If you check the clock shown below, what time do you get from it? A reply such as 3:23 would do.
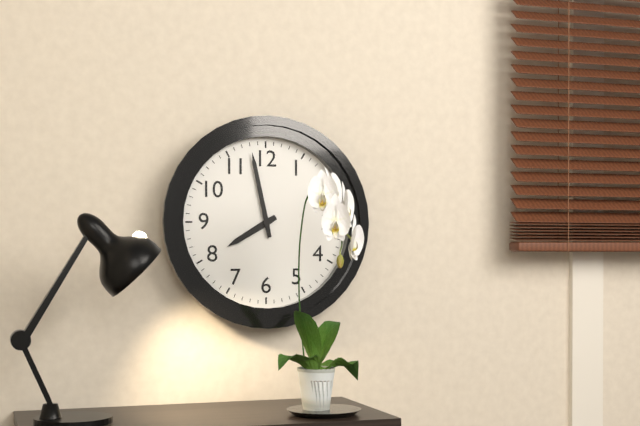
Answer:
7:58
